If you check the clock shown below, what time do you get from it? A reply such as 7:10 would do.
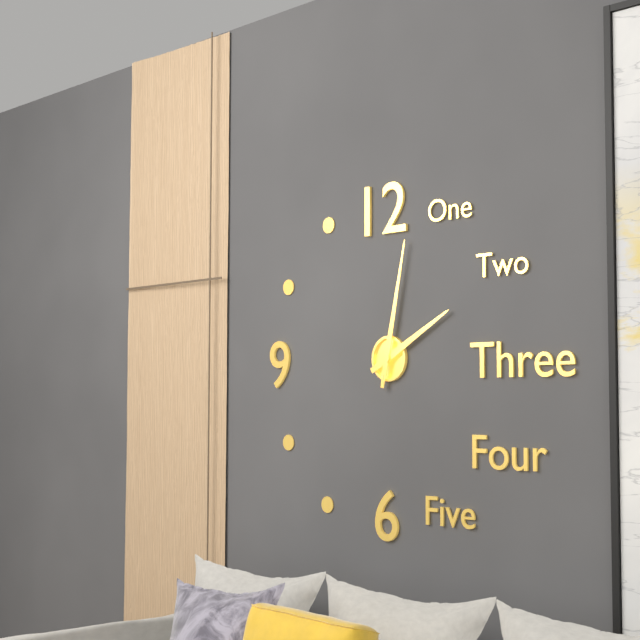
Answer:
2:02
